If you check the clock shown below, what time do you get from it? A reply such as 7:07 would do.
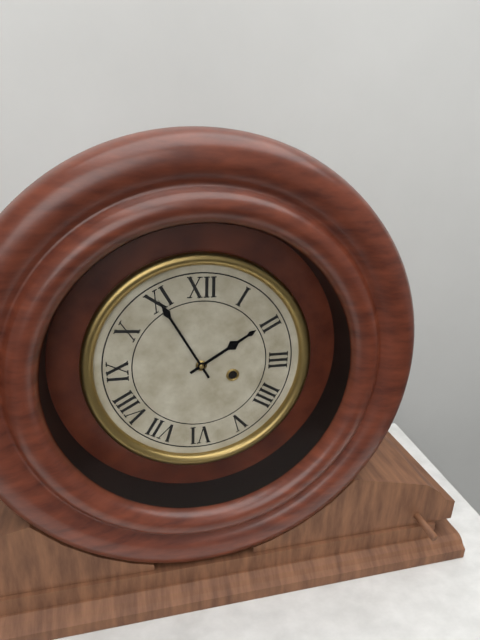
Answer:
1:55
